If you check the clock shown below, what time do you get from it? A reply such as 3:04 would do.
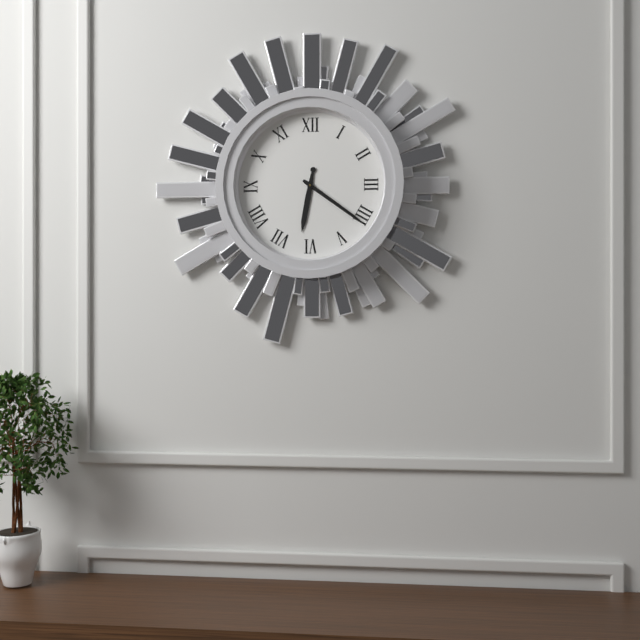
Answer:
6:21
